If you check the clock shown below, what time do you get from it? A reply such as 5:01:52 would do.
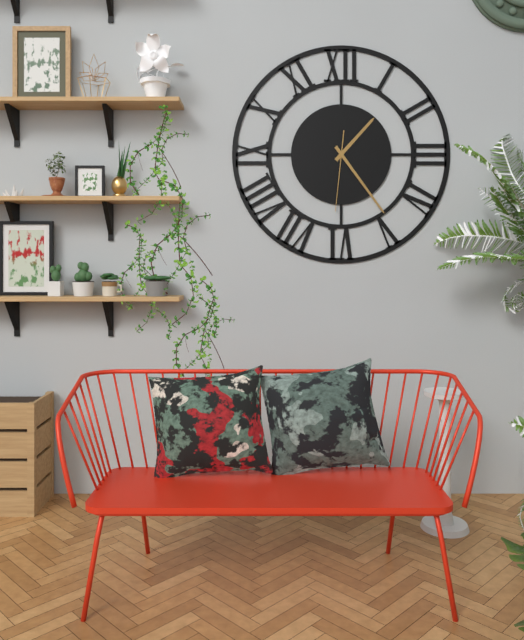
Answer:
1:24:31
